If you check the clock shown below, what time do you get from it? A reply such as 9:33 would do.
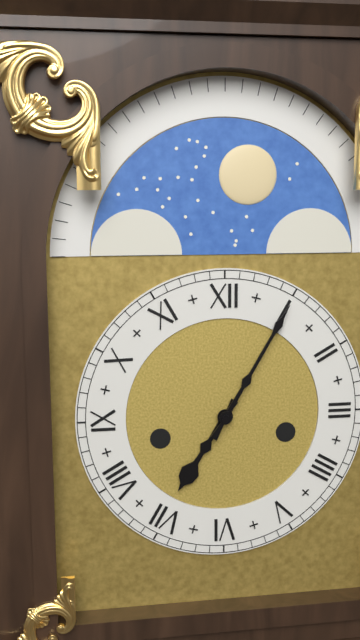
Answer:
7:05
